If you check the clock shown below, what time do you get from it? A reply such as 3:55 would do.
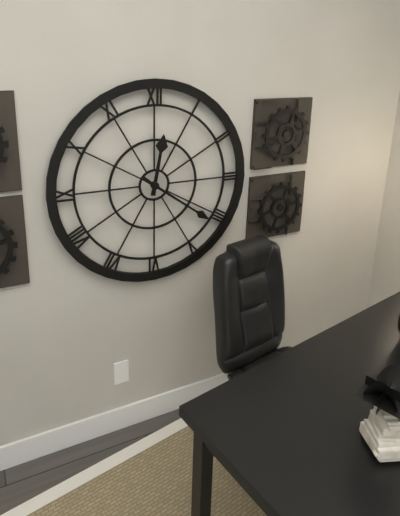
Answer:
12:21
